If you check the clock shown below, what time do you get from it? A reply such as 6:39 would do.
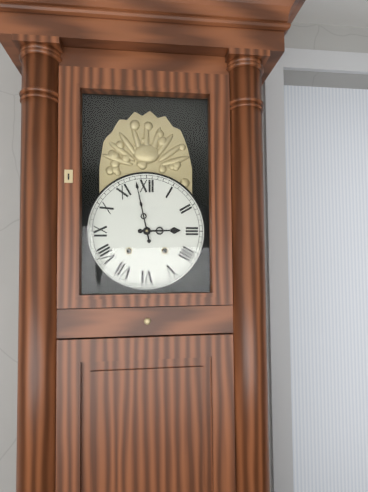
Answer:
2:58
